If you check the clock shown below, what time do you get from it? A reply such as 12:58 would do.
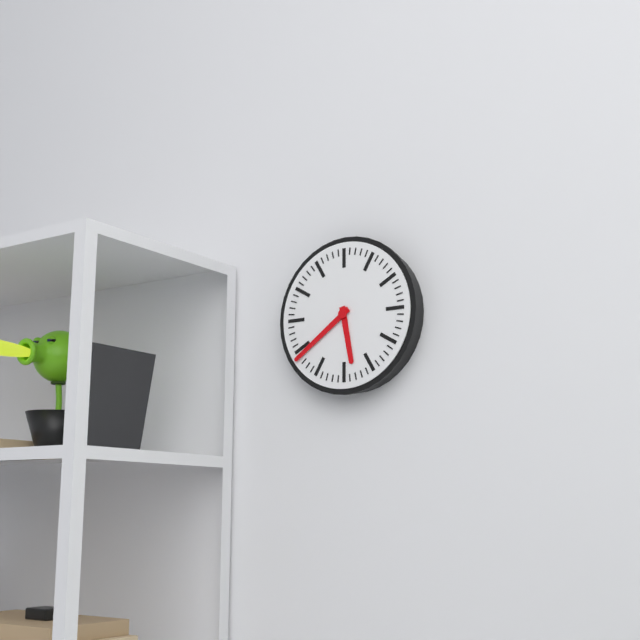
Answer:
5:39
